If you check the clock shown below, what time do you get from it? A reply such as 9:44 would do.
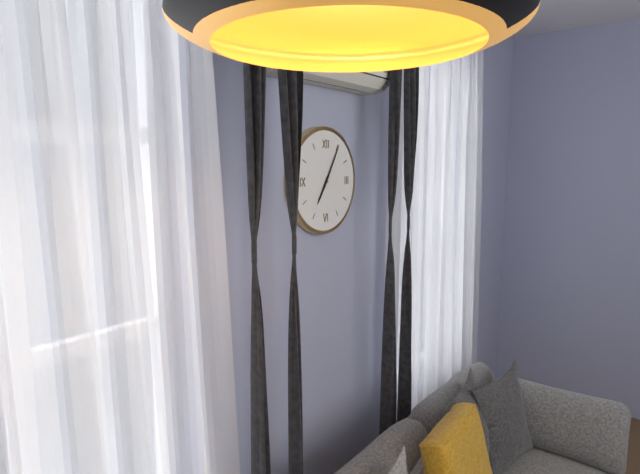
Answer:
7:05
